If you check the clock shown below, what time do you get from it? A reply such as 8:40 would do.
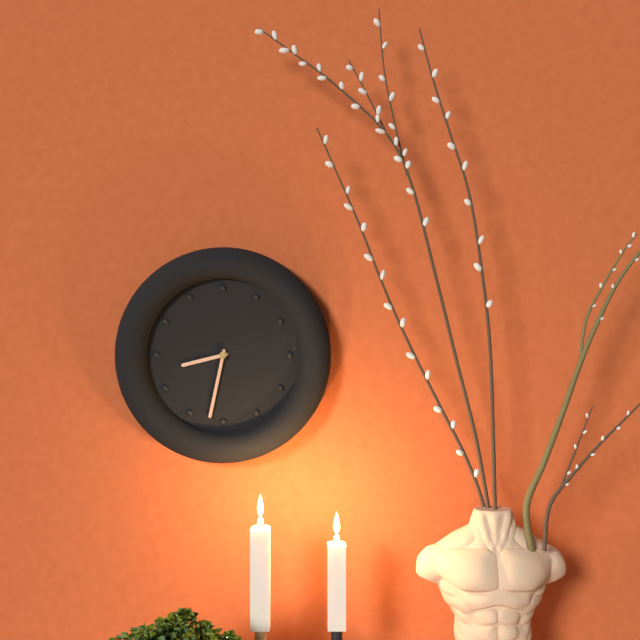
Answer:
8:32
